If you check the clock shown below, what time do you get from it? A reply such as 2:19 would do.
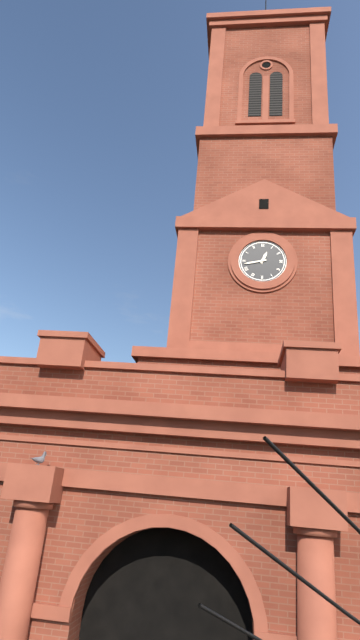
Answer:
12:43
